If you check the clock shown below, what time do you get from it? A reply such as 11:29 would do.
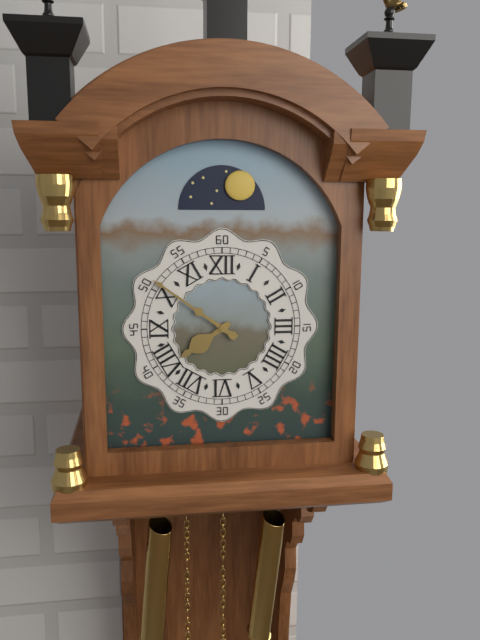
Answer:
7:51
